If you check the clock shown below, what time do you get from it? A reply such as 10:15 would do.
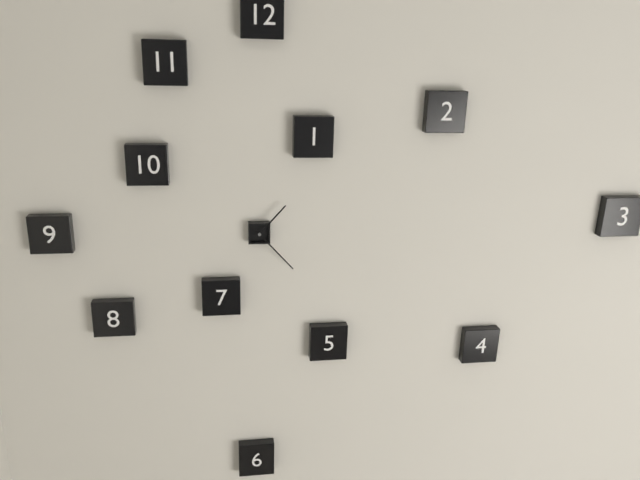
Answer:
1:23
